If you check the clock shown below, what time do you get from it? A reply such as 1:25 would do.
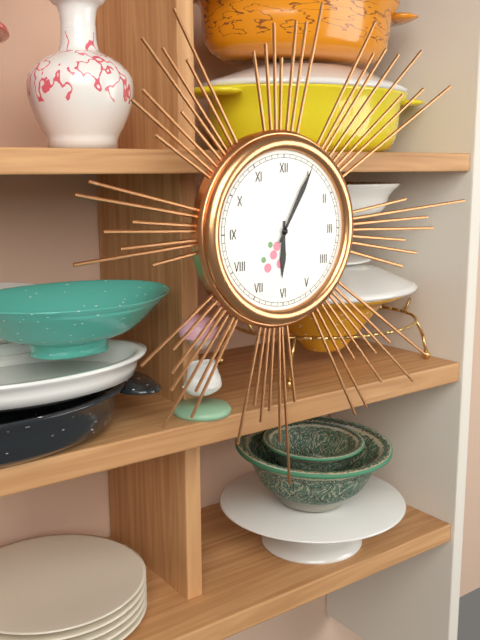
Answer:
6:05
